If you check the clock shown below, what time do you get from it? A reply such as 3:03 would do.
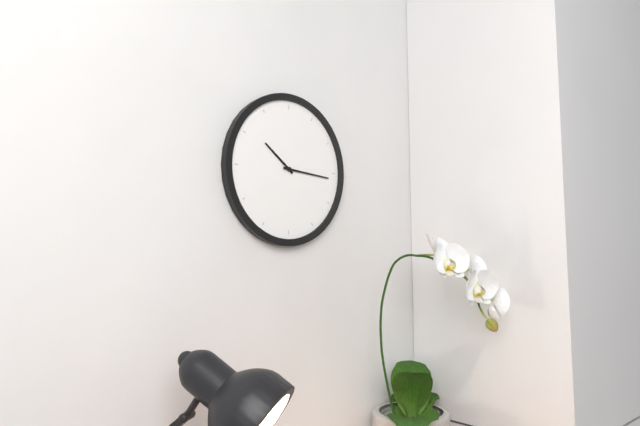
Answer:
10:16
